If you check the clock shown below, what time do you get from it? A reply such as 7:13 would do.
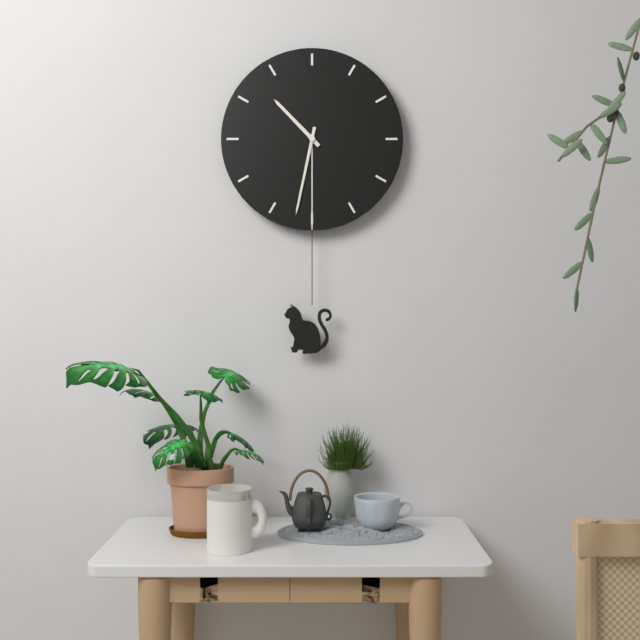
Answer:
10:32
